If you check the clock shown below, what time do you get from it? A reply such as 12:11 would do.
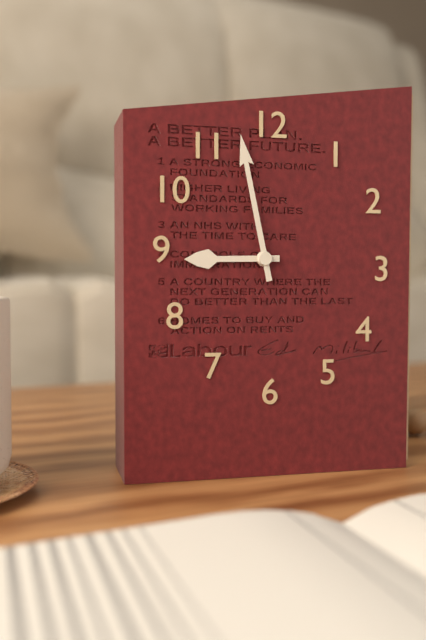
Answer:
8:58
